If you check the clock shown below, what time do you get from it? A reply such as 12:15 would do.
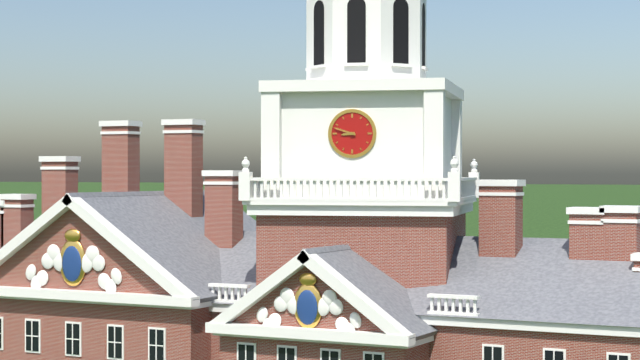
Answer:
8:48
